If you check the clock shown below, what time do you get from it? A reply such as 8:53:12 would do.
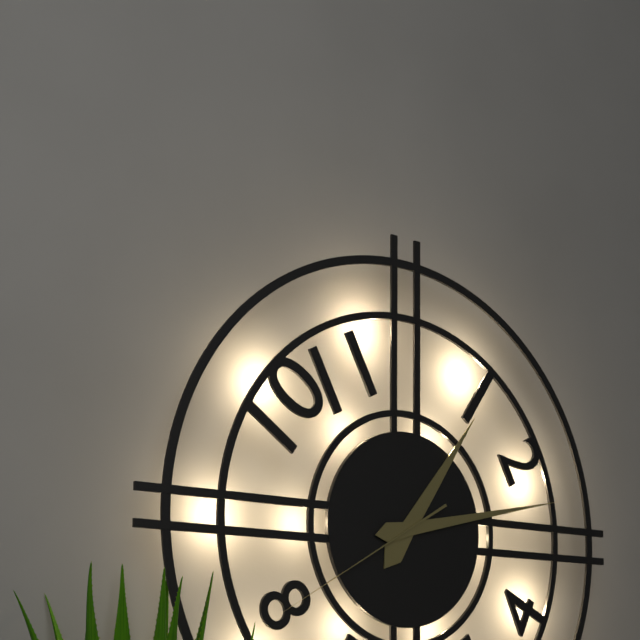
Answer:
1:13:40
